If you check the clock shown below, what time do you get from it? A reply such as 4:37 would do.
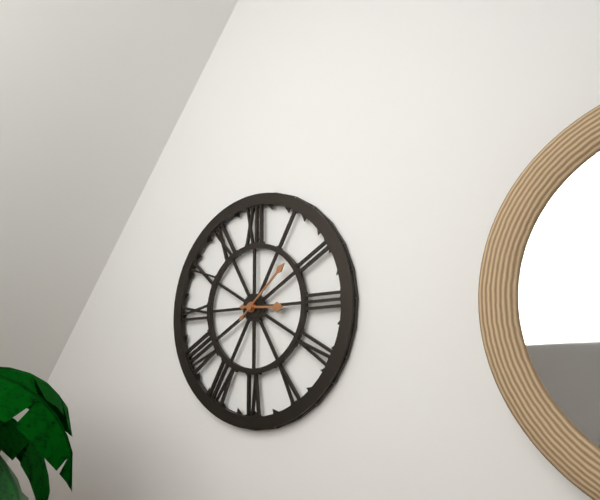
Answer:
3:08
